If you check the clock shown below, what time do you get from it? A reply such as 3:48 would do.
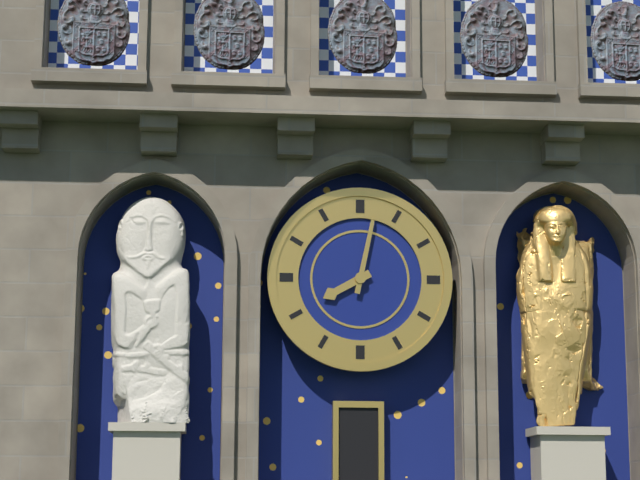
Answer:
8:02
